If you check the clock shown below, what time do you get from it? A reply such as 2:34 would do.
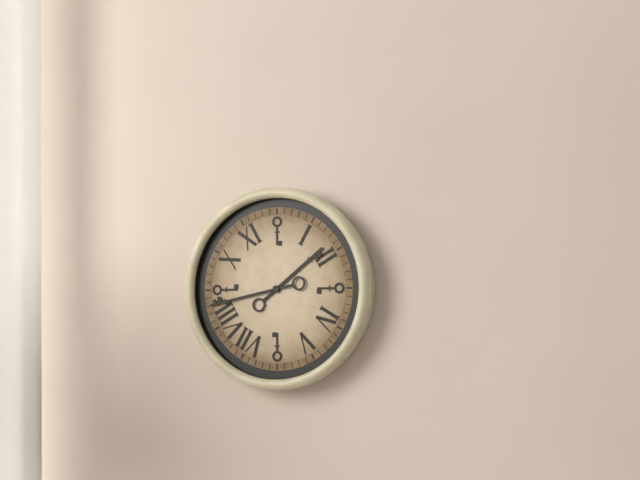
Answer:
1:43
